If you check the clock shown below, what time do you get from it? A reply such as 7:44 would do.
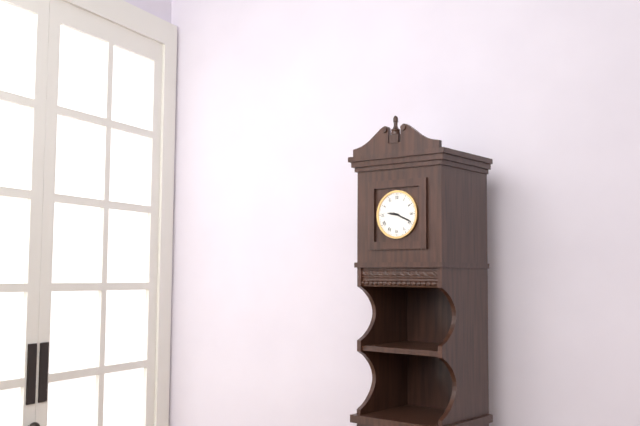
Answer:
9:19
